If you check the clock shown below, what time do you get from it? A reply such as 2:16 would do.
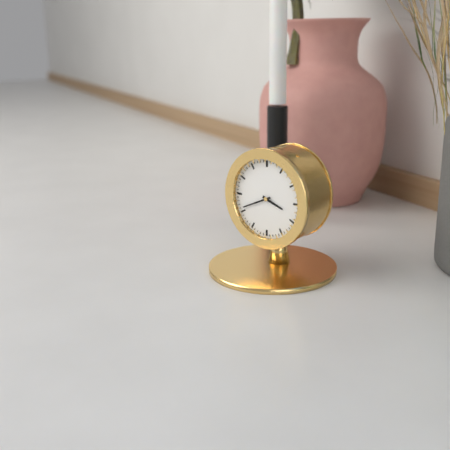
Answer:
3:41
